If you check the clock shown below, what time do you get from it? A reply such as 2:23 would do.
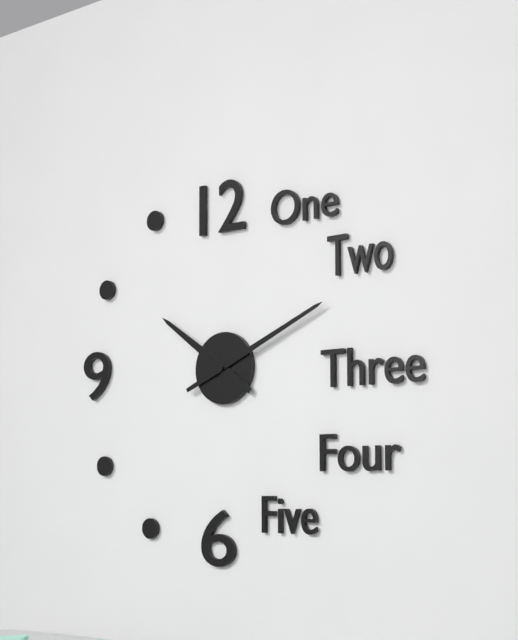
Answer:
10:11
